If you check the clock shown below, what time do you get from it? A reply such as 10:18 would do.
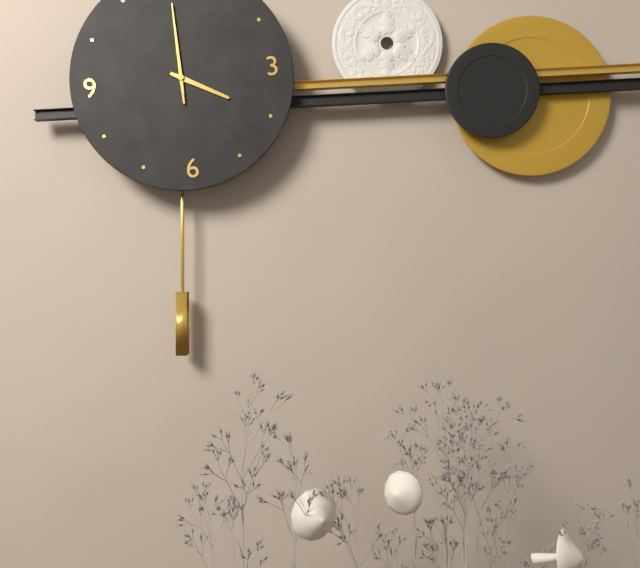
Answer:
4:00
